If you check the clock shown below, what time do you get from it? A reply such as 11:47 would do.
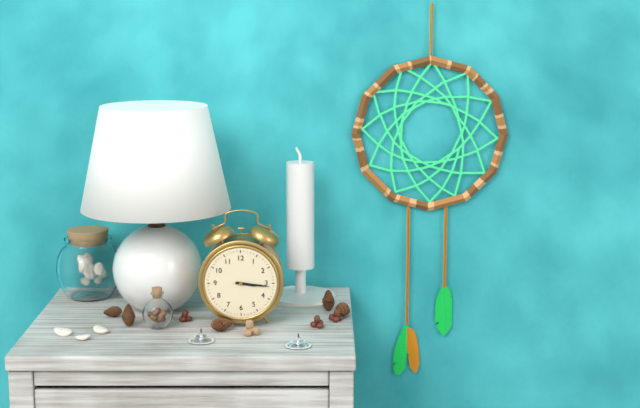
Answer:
3:16
